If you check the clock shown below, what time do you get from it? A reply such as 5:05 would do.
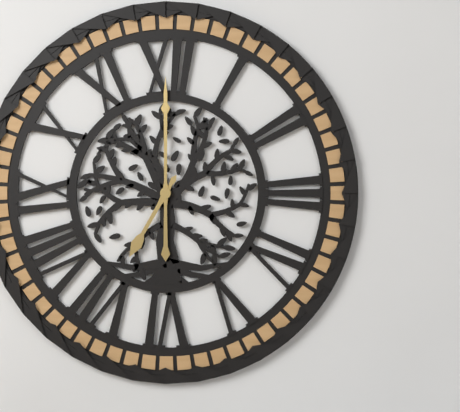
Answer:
7:00
